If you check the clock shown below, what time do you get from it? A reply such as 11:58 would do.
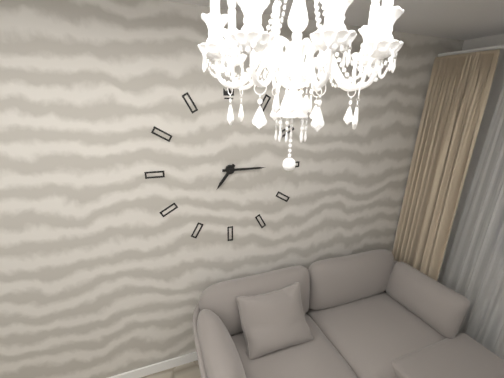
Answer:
7:15
